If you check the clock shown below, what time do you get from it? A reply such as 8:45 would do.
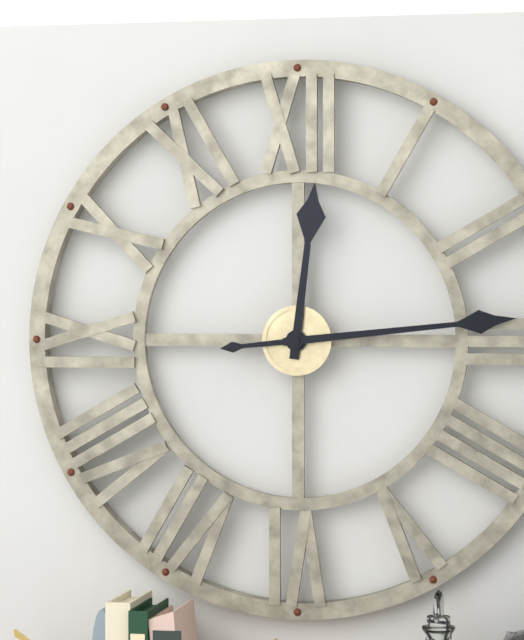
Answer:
12:14
